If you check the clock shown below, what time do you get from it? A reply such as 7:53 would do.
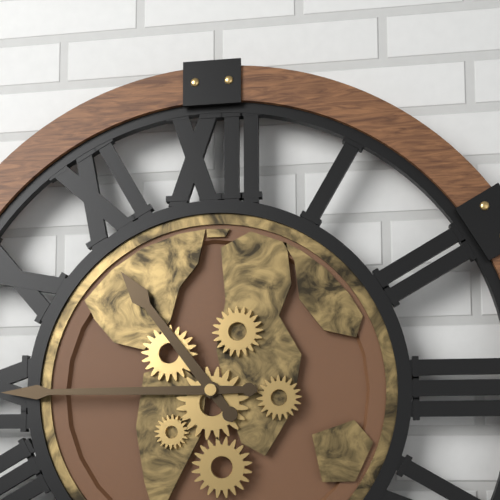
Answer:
10:45
